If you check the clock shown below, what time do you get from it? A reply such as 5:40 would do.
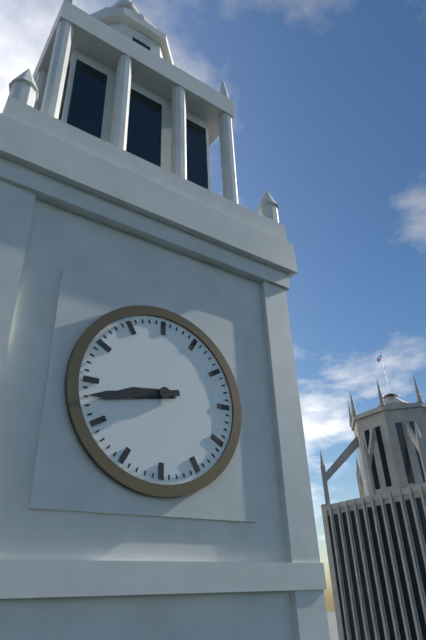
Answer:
8:43
